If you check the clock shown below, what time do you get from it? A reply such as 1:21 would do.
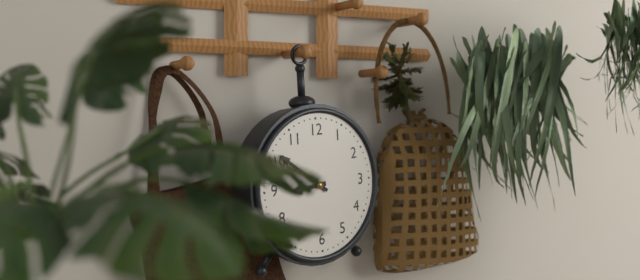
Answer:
8:51
